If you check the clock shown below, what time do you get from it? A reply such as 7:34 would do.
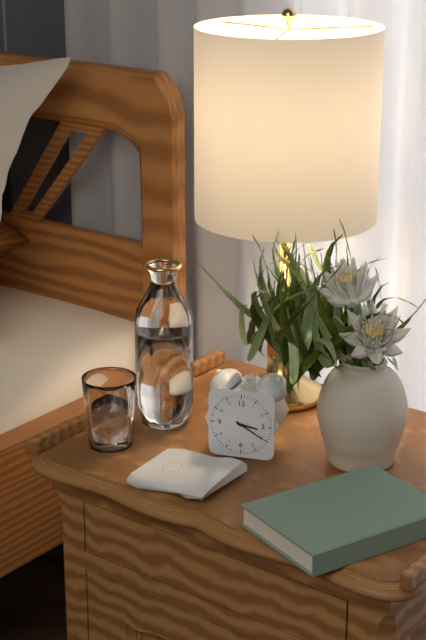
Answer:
3:20
